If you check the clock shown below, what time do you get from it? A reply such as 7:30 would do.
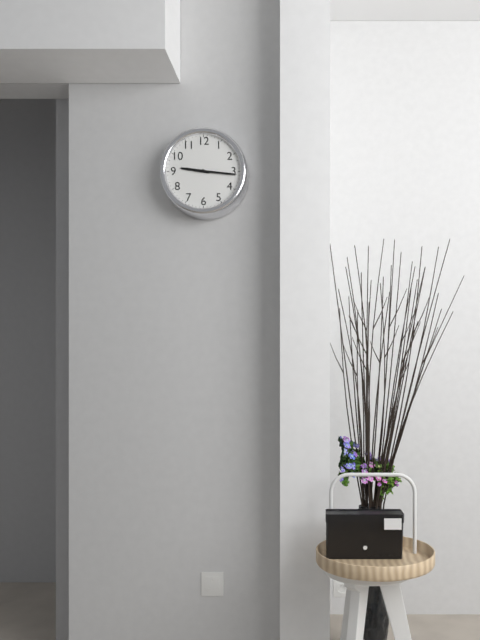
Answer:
9:16
